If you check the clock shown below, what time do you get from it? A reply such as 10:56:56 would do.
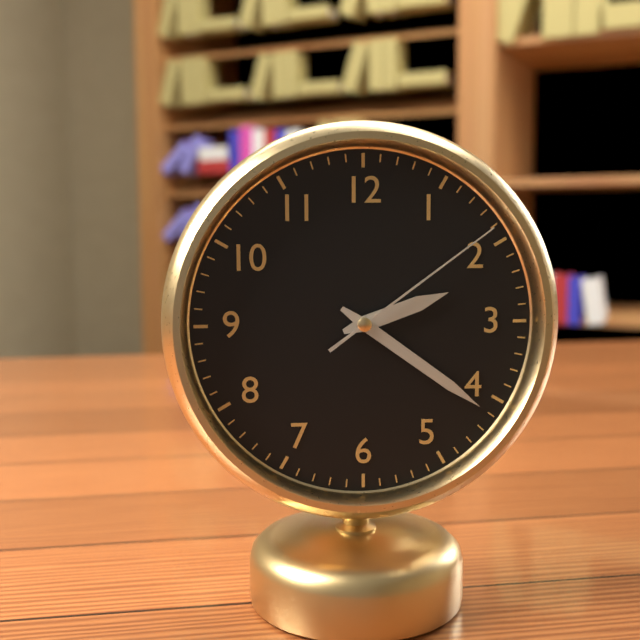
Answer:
2:21:09
